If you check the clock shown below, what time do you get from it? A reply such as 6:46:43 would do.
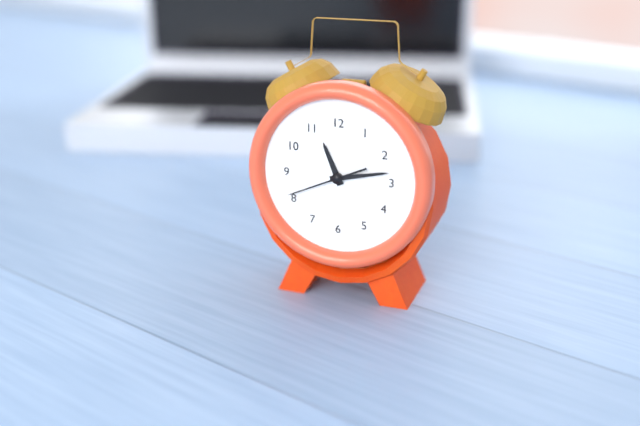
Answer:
11:13:41
